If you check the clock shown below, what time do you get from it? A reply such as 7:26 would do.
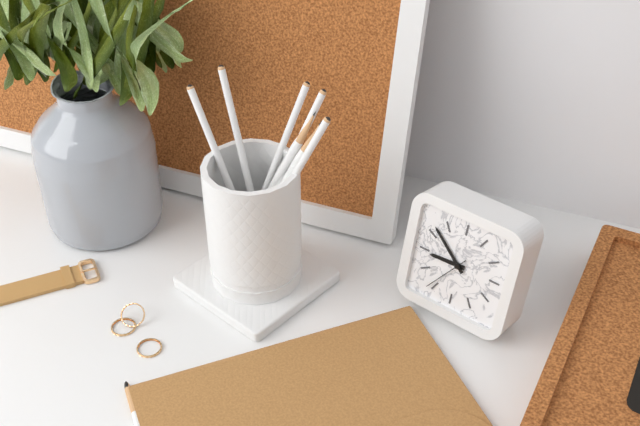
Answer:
8:52
